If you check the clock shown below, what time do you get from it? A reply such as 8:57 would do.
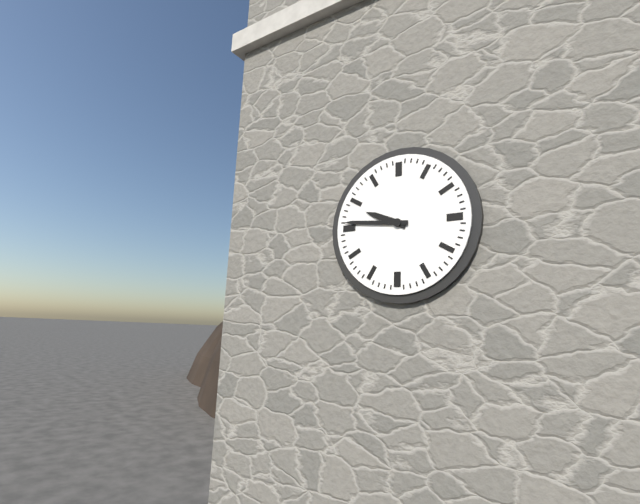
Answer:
9:46
